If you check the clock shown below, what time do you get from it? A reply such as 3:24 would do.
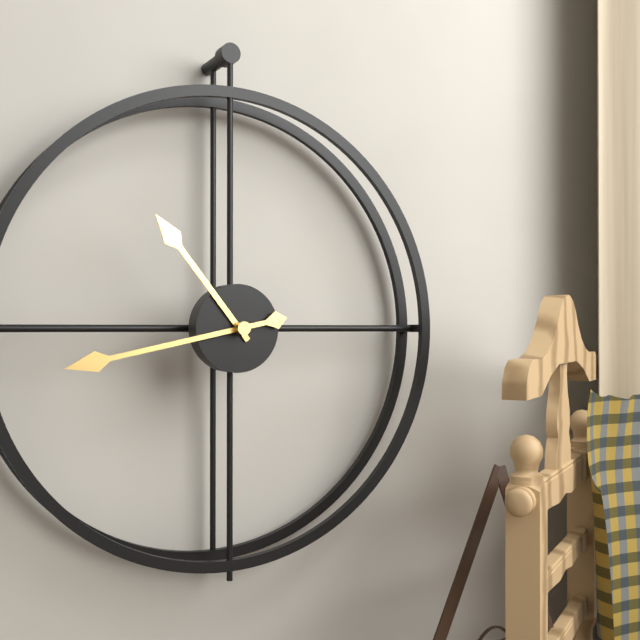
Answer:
10:43
